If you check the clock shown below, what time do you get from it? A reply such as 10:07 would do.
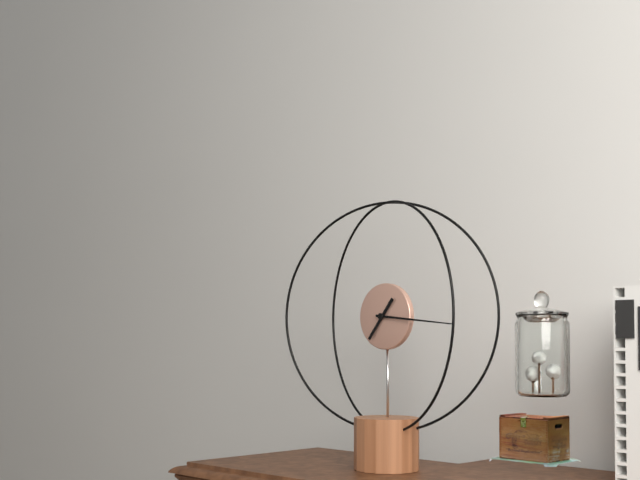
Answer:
7:16
